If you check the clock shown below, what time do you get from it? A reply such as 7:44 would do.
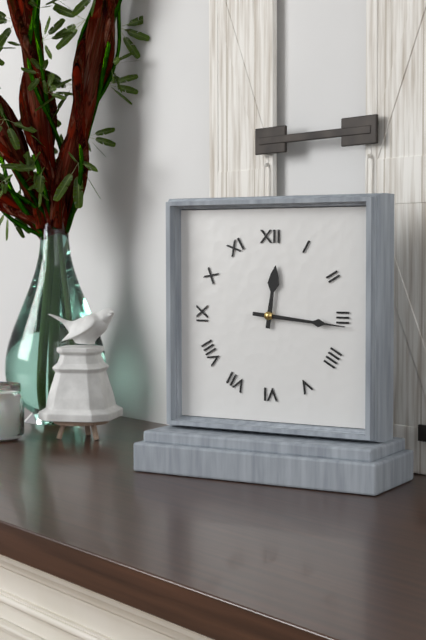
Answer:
12:16
